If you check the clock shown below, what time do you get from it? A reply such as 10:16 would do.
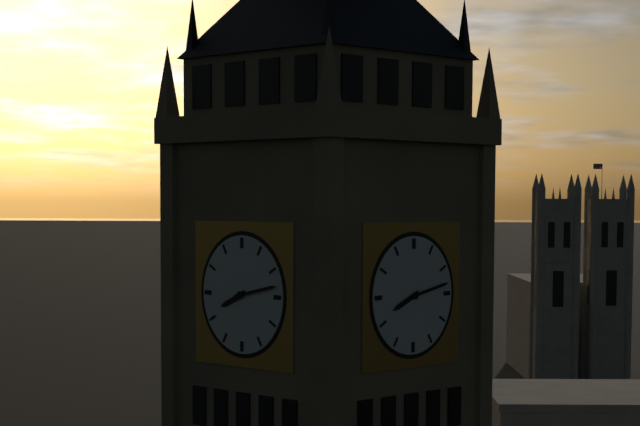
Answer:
8:13
